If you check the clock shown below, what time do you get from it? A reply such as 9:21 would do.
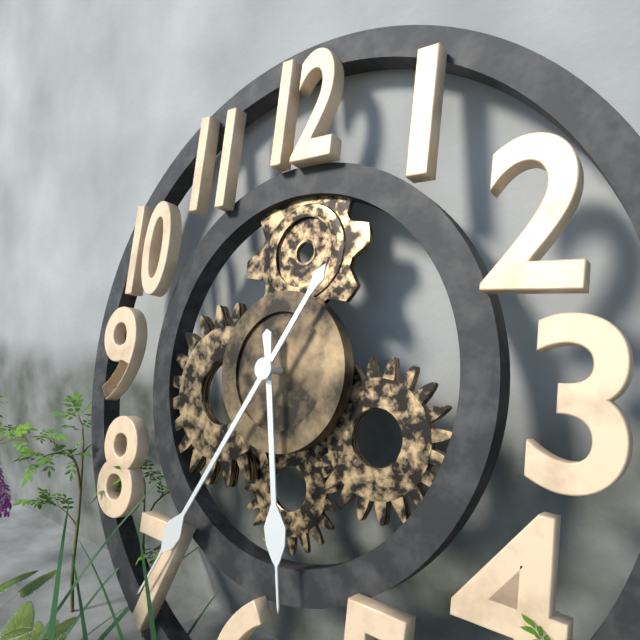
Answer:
5:35
